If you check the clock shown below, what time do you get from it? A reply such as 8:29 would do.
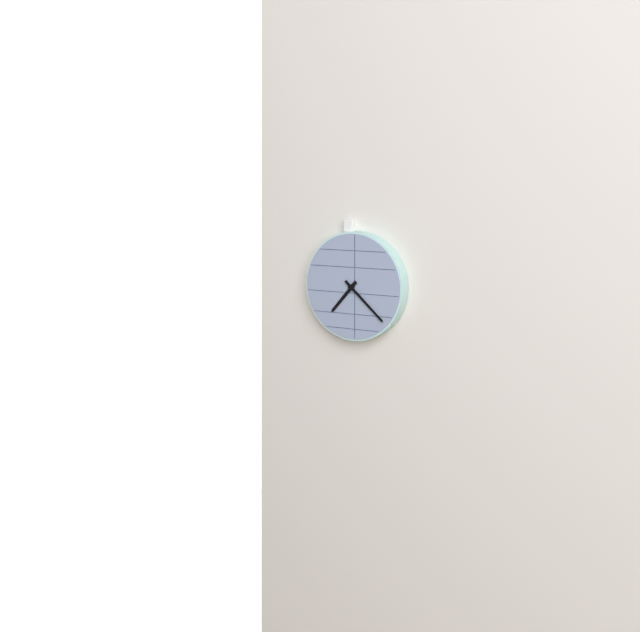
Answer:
7:22
